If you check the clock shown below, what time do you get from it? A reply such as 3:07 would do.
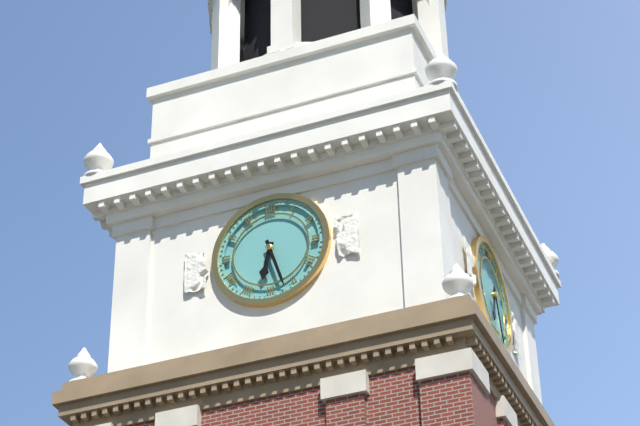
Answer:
6:27
